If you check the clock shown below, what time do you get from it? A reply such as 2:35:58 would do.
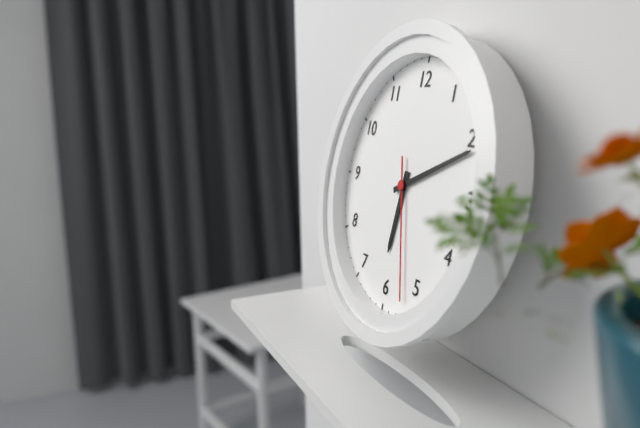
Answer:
6:11:27
